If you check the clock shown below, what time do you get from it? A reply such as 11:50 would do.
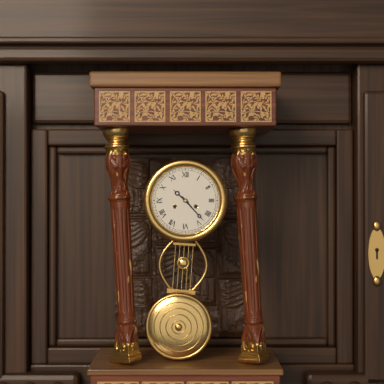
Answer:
10:23
